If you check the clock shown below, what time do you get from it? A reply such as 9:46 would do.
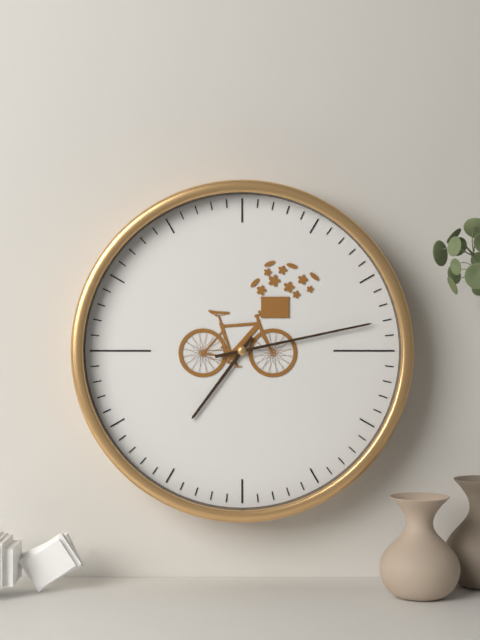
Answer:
7:13
